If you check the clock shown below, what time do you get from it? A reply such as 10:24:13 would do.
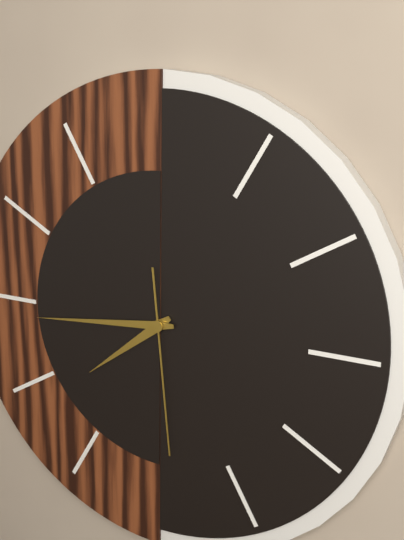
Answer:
7:44:29
